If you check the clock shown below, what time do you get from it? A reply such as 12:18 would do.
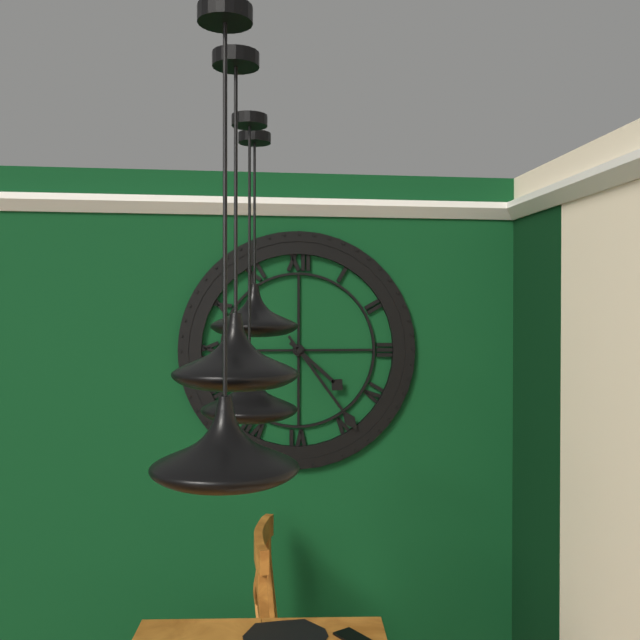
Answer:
4:24
